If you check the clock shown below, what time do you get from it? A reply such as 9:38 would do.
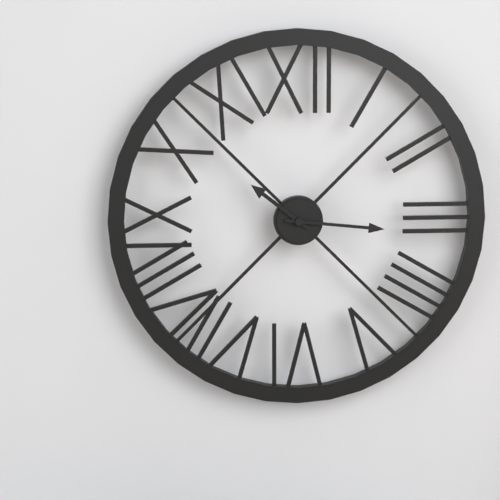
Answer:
10:16
